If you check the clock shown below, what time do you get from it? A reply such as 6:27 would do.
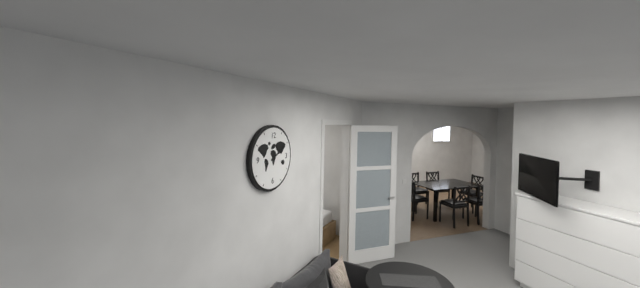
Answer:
2:10
